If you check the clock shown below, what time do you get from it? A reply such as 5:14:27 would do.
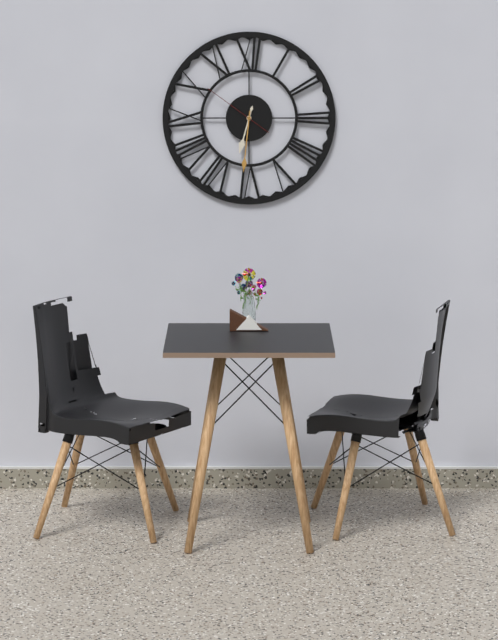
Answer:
6:31:51
